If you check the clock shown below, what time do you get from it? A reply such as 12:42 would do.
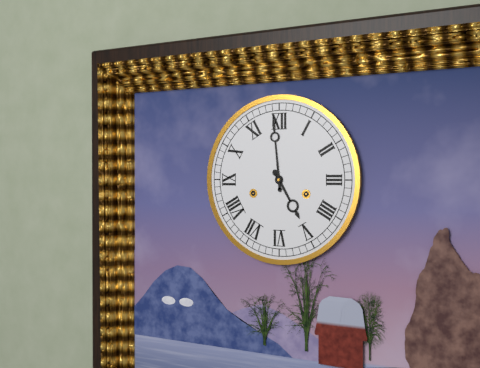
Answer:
4:59
